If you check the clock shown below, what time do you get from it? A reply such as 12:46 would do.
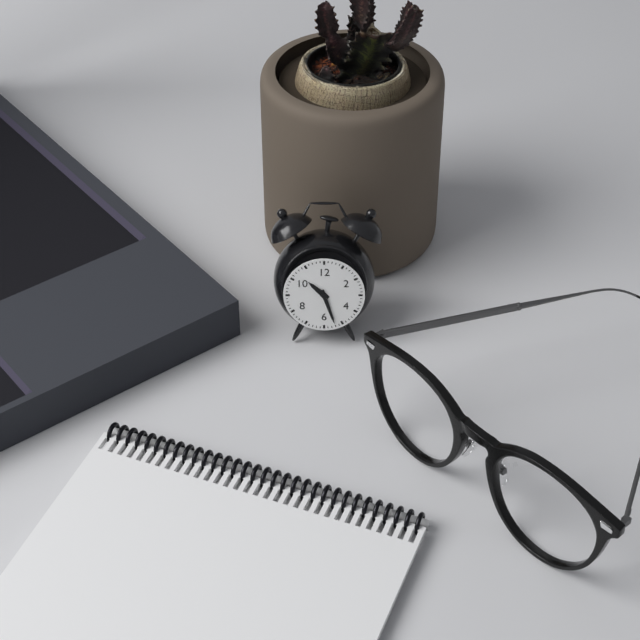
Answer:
10:27
